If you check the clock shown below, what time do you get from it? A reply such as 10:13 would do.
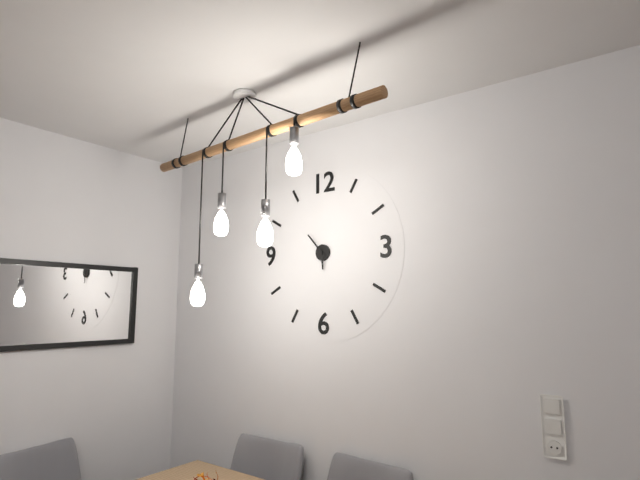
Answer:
5:53
